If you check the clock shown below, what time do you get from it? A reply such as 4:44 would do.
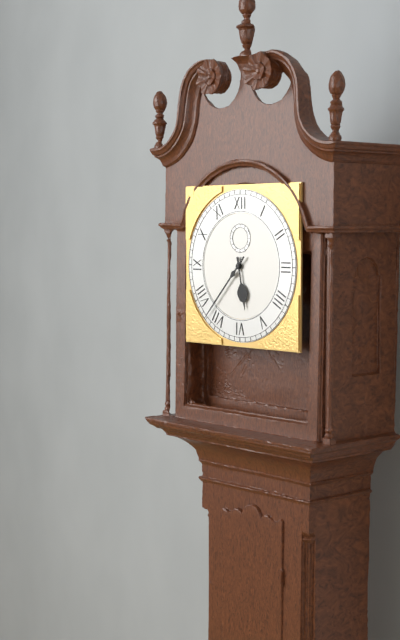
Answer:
5:37
